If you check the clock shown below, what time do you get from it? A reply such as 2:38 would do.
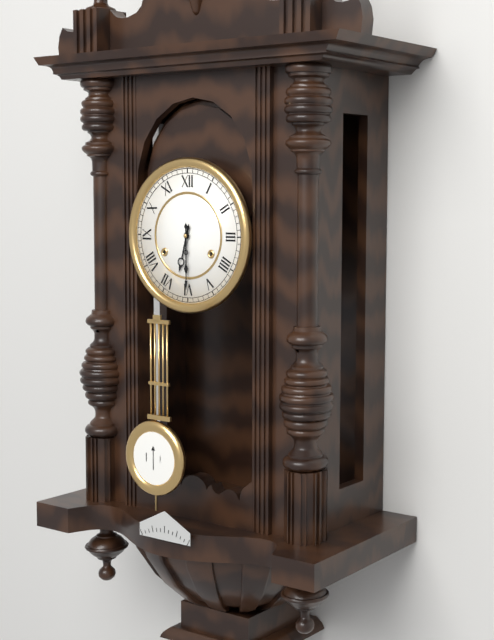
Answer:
6:30
